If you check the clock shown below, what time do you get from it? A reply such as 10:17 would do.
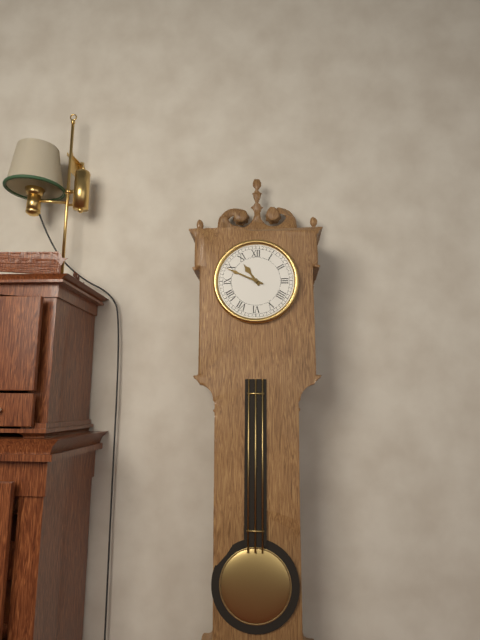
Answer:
10:49
